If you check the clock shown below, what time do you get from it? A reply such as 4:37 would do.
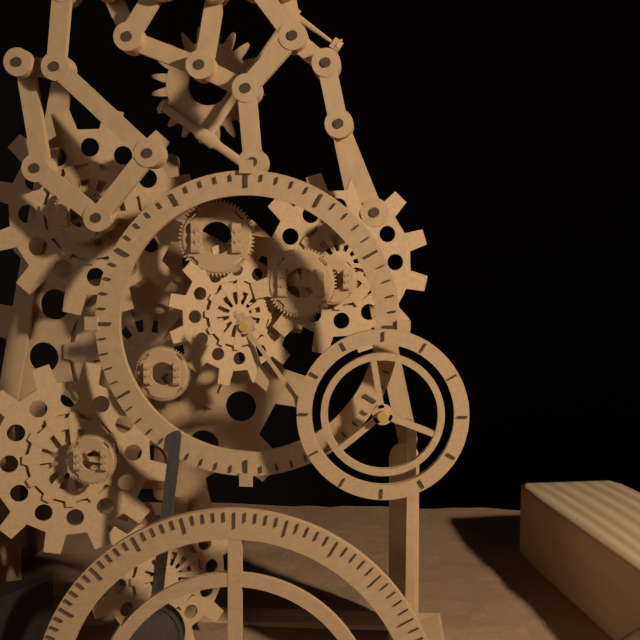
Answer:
5:24
